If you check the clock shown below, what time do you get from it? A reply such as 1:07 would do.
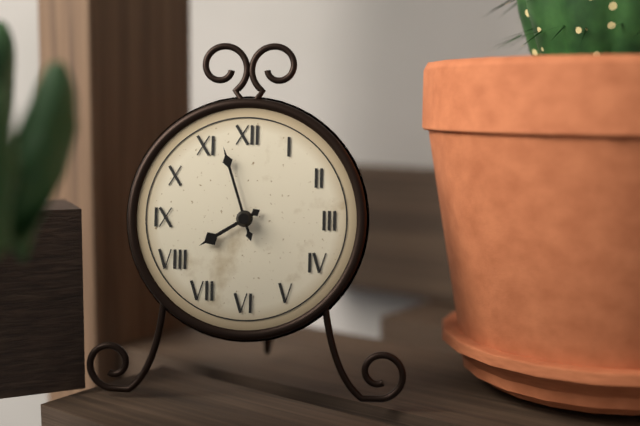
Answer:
7:57
